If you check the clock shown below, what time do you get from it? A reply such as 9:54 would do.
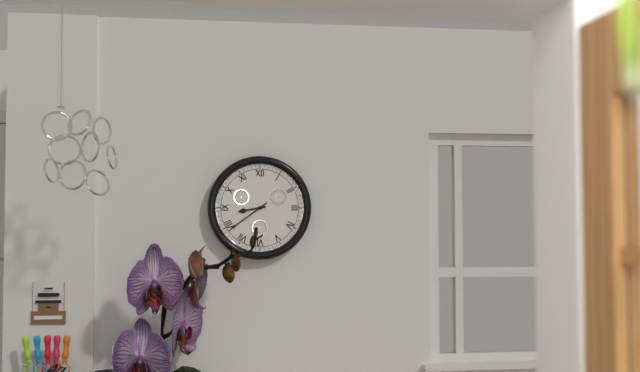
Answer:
8:39
